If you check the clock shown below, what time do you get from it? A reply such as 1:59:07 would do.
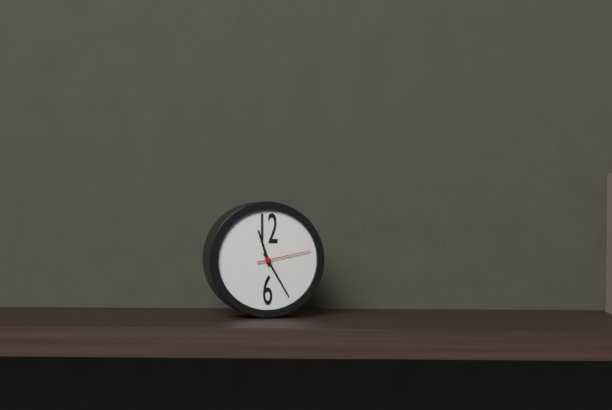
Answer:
11:25:13
